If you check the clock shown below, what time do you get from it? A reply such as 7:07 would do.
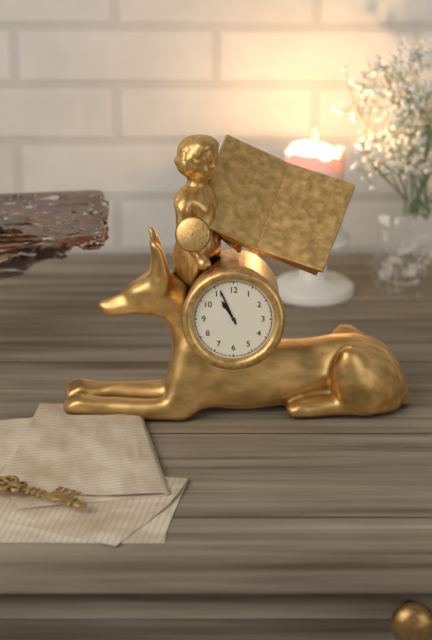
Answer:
10:56
